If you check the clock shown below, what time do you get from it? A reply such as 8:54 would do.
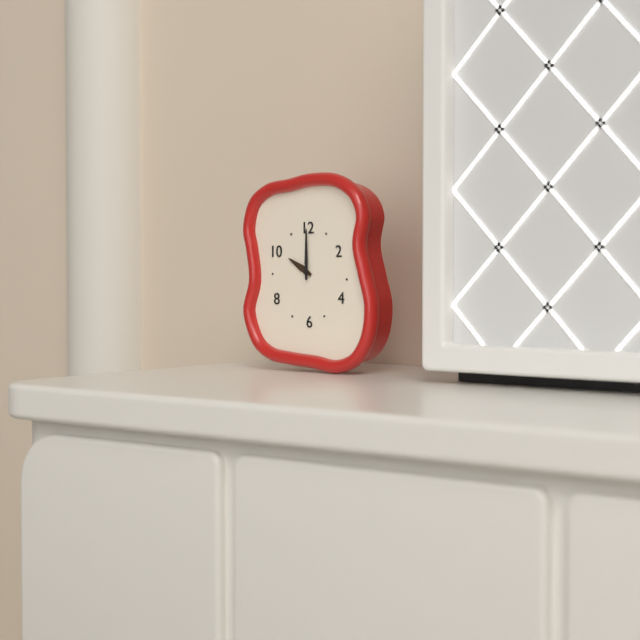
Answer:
10:00
